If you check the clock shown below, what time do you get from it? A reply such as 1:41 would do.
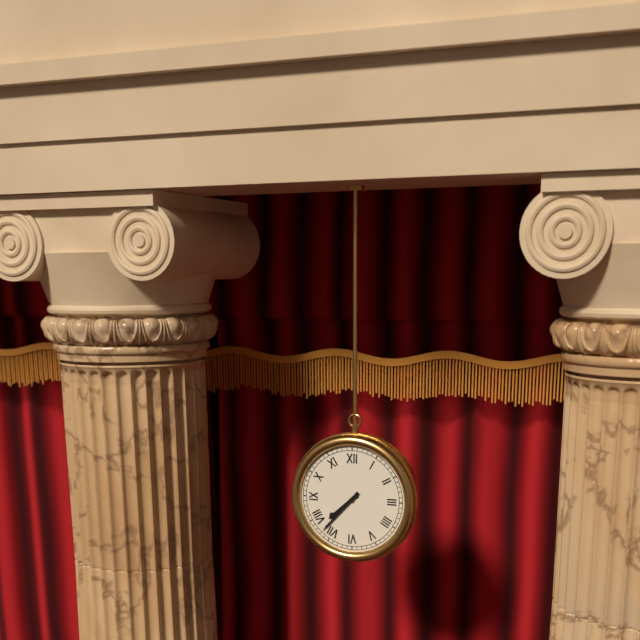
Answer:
7:37
